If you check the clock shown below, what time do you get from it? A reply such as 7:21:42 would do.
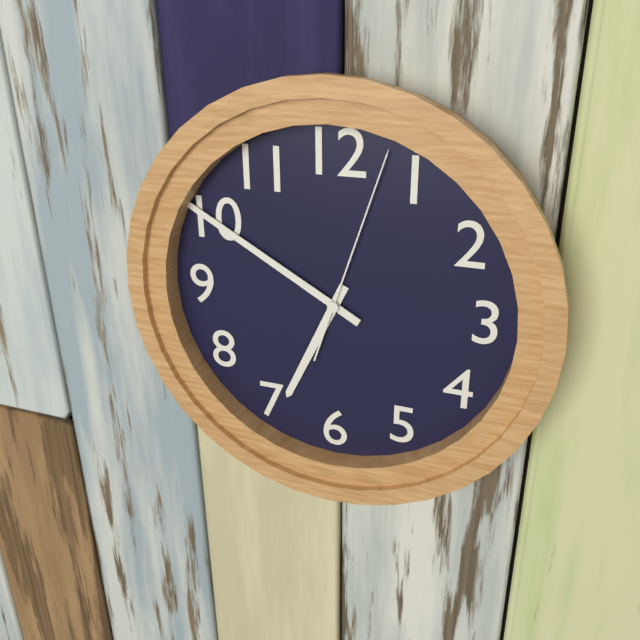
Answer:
6:50:03
